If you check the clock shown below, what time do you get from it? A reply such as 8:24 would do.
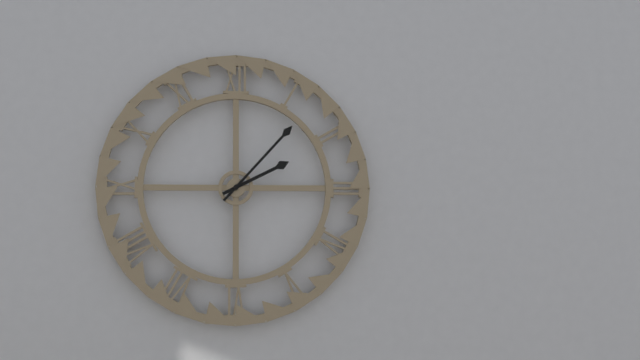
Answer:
2:07
